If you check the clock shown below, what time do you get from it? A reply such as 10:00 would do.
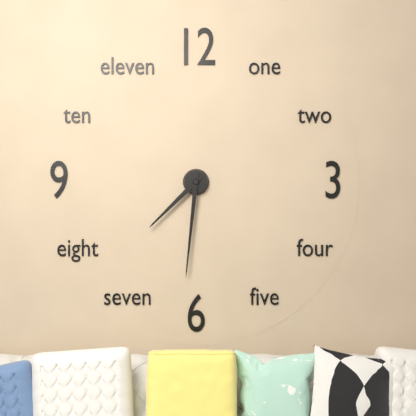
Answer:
7:31
